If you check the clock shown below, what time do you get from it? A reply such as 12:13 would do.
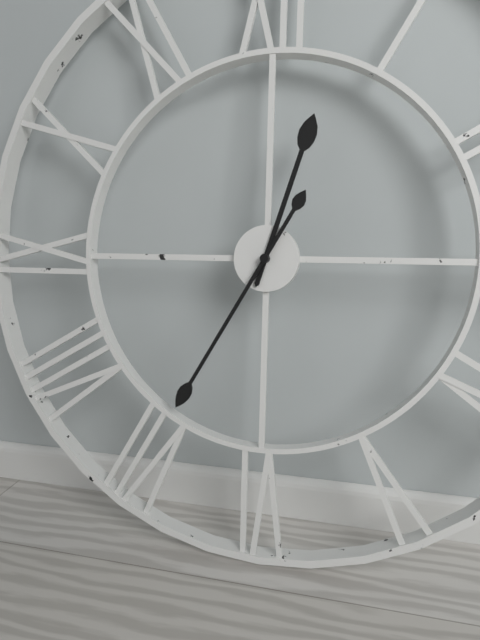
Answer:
12:35
